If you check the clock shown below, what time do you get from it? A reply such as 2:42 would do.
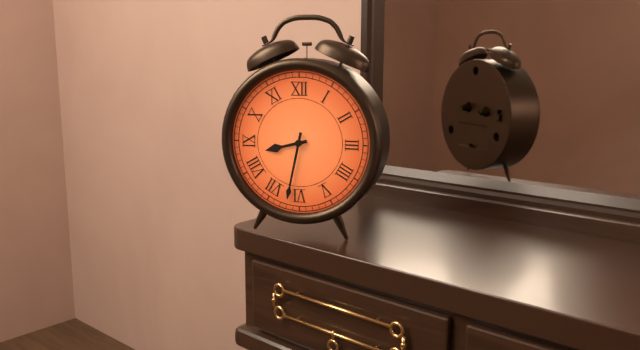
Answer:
8:32
